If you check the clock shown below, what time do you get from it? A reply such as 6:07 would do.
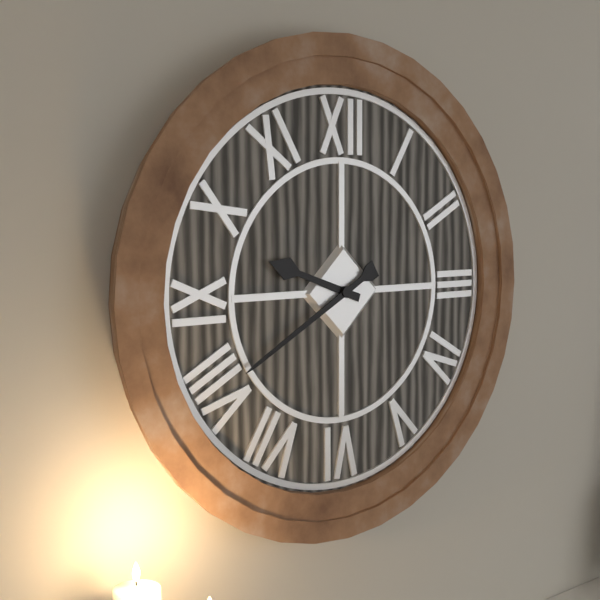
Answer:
9:40
